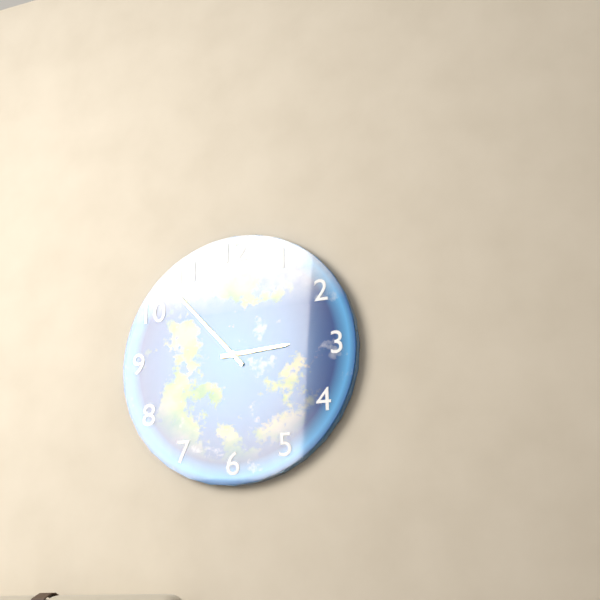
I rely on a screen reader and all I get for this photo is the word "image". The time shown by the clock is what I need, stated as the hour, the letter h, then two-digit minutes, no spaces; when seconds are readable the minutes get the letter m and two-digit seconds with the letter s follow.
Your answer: 2h53
